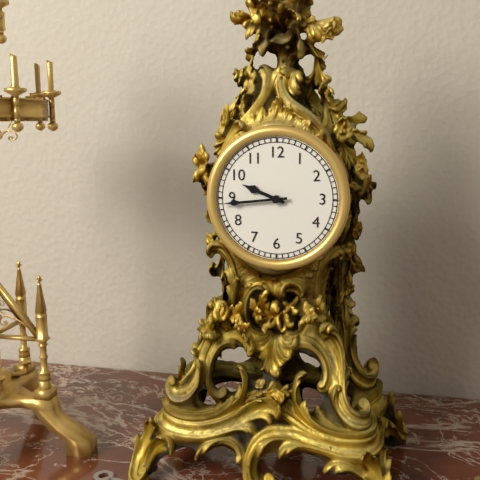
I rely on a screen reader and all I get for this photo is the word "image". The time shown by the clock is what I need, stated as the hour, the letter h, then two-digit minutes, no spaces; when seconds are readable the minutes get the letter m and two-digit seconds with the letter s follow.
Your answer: 9h44
